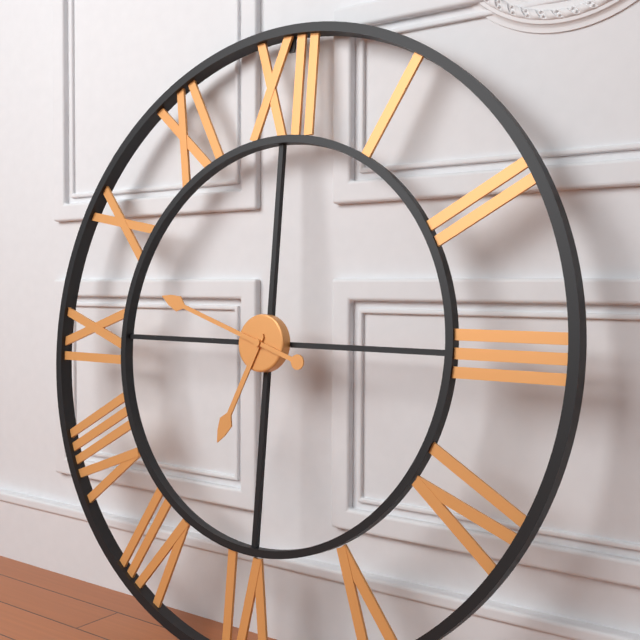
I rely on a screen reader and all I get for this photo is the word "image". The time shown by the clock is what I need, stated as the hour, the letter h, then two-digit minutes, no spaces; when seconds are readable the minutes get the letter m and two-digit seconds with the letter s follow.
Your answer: 6h48
